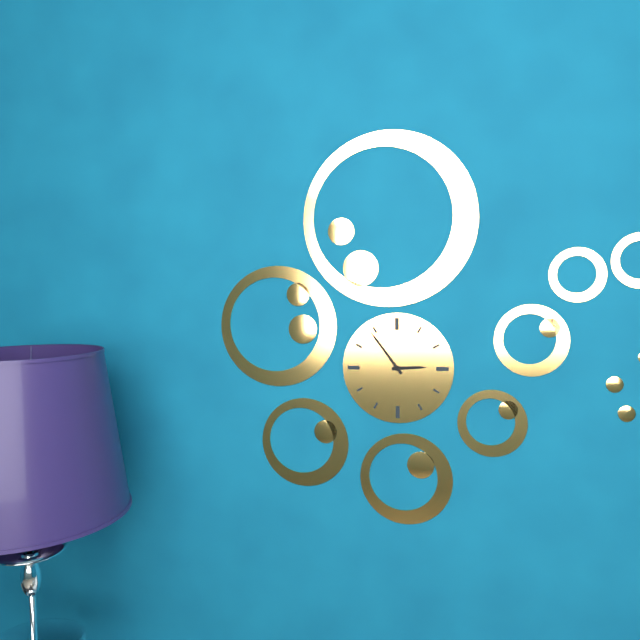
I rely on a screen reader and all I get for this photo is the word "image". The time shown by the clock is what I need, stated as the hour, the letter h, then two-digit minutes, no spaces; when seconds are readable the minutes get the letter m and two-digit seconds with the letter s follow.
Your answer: 2h54
